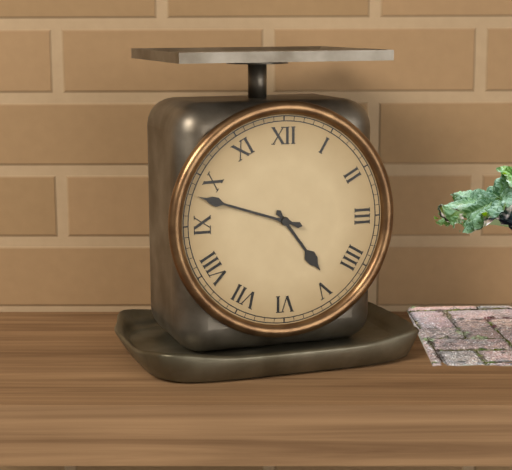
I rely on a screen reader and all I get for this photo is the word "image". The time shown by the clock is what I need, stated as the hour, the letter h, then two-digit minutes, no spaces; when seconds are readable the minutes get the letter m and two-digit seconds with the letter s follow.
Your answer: 4h48
